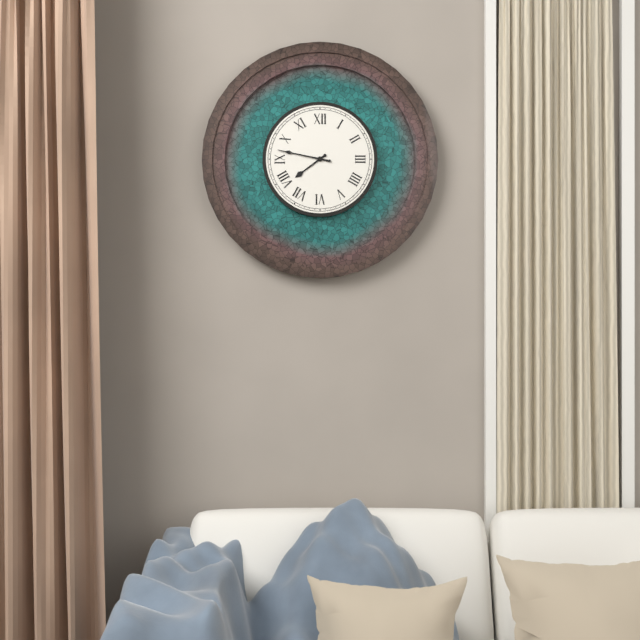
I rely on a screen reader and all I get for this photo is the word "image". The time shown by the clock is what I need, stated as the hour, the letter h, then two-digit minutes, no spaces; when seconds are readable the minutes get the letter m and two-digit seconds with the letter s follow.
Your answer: 7h47
